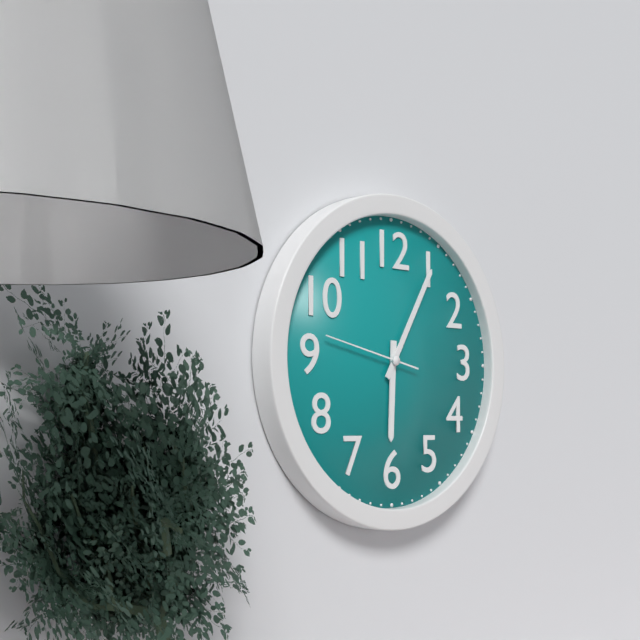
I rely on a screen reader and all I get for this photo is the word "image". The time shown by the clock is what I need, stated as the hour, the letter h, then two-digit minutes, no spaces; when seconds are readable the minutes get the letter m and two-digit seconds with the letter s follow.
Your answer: 6h05m47s
